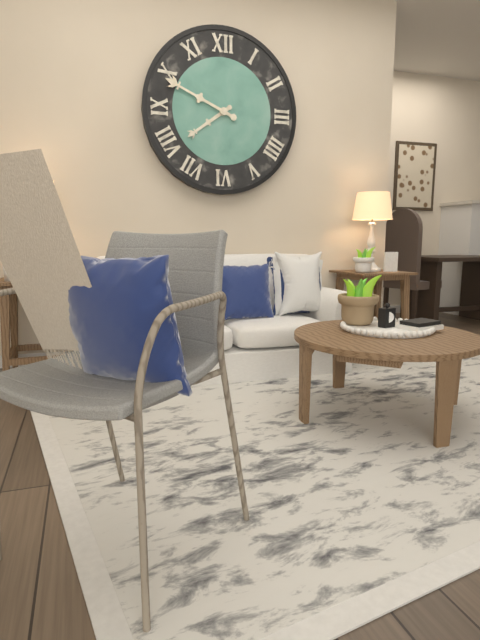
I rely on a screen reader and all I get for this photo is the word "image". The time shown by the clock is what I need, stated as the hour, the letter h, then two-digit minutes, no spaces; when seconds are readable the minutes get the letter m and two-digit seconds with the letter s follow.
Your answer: 7h49
